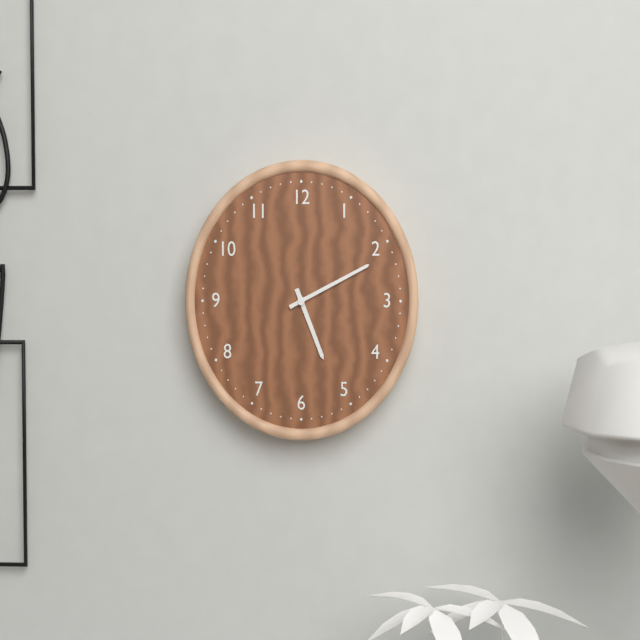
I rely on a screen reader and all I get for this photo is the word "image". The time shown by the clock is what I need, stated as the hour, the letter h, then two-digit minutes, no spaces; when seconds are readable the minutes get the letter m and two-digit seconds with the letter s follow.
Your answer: 5h11
